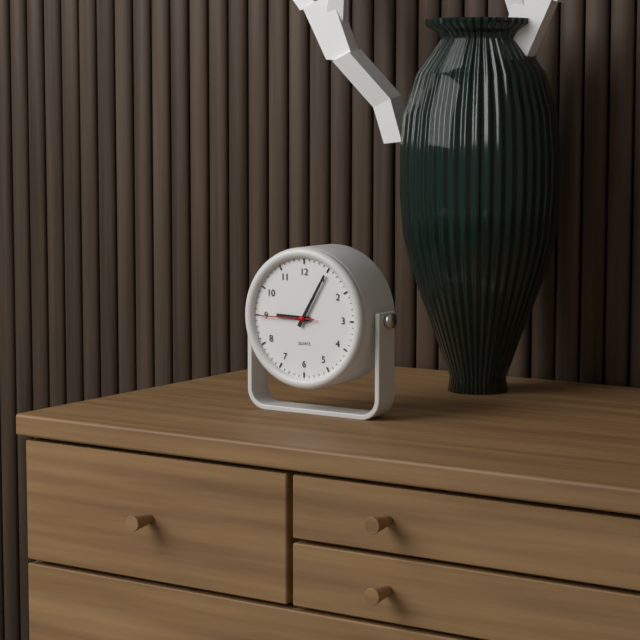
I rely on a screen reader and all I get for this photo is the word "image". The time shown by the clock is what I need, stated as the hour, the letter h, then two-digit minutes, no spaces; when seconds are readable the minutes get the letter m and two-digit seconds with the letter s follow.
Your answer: 9h05m45s
